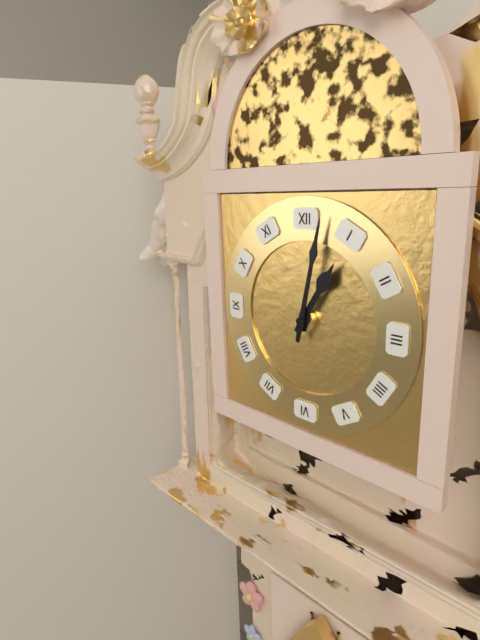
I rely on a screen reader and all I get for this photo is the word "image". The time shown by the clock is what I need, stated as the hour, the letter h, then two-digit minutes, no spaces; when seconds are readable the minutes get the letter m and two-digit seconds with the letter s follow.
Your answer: 1h02
